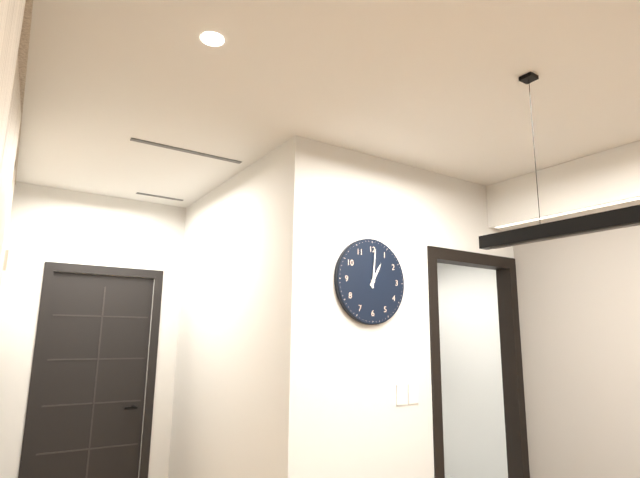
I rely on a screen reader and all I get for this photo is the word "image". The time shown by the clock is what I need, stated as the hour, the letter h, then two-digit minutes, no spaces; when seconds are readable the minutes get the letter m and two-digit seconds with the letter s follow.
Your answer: 1h01
